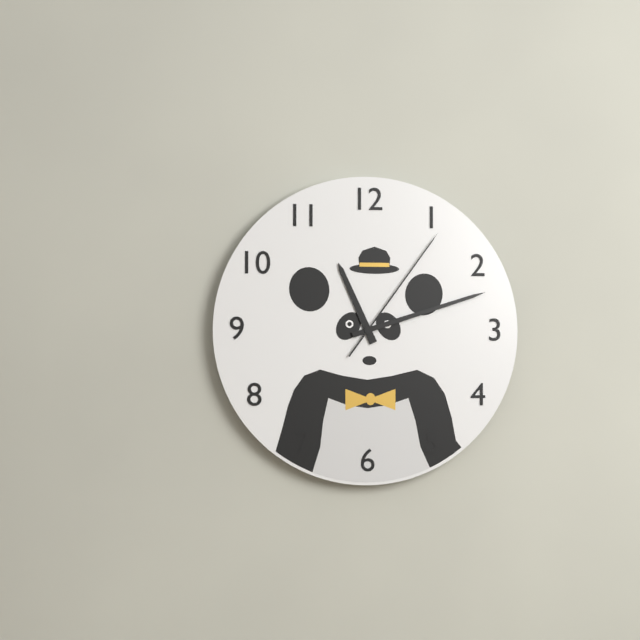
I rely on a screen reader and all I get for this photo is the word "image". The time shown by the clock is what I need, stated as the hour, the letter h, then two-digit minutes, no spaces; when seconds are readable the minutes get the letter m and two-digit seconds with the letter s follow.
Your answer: 11h12m06s
